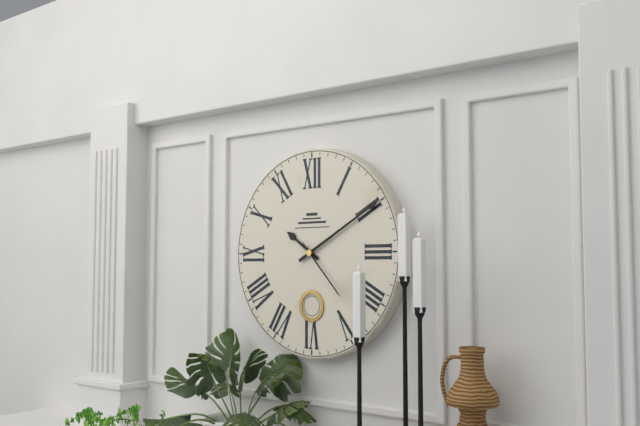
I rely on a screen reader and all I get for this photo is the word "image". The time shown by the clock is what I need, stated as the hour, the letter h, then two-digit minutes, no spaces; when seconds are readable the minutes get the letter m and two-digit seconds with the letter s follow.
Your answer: 10h10m23s
